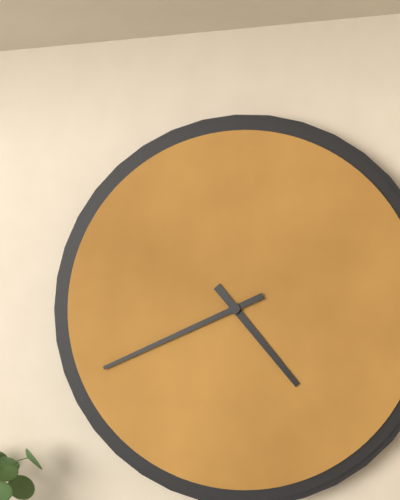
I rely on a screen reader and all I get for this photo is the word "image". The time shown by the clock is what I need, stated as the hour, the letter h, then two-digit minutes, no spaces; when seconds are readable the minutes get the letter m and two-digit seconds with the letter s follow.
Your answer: 4h41
